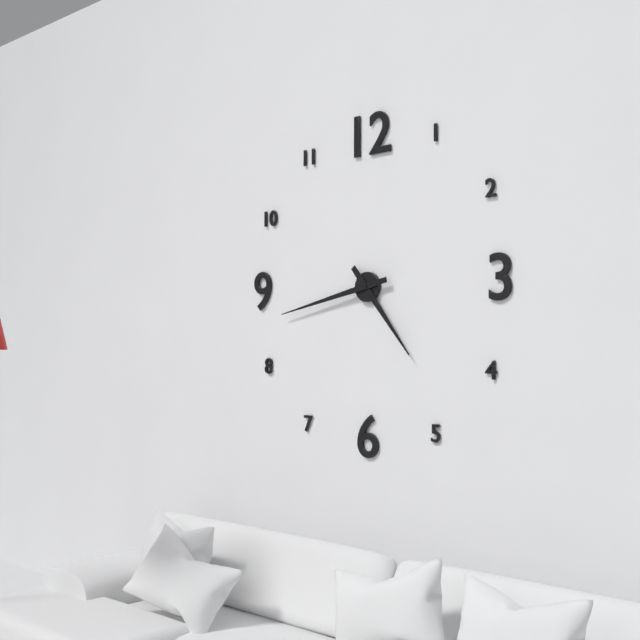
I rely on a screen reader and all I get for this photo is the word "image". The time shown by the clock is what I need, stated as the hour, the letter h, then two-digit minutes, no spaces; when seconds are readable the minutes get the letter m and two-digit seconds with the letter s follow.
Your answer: 4h43
